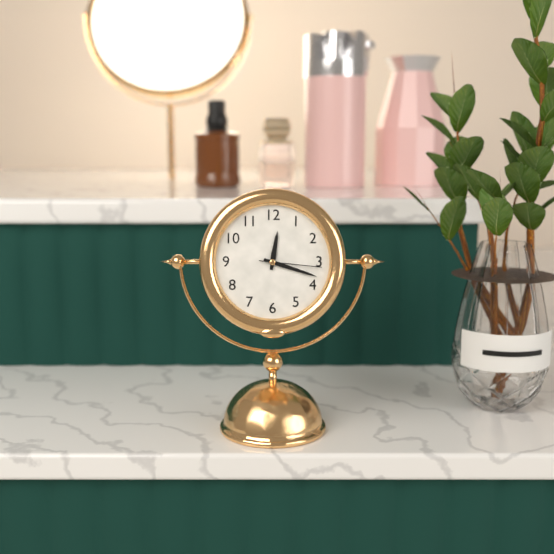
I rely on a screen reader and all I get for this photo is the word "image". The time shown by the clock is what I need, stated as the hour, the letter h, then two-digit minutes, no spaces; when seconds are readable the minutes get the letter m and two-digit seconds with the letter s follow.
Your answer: 12h18m16s
